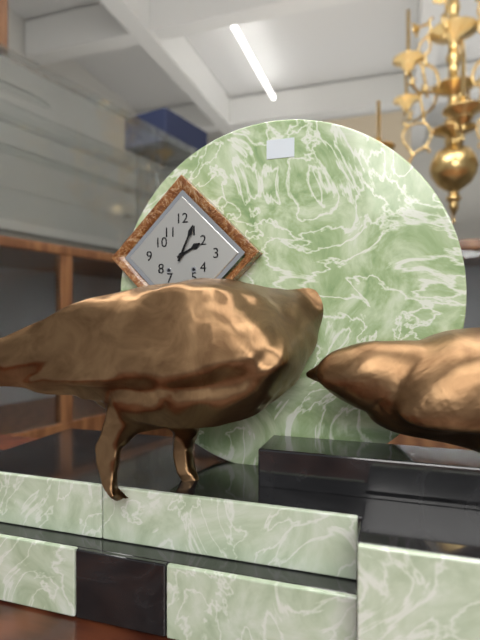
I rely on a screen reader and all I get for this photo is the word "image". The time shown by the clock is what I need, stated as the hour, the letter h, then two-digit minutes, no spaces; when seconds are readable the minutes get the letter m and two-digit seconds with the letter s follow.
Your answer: 2h04
